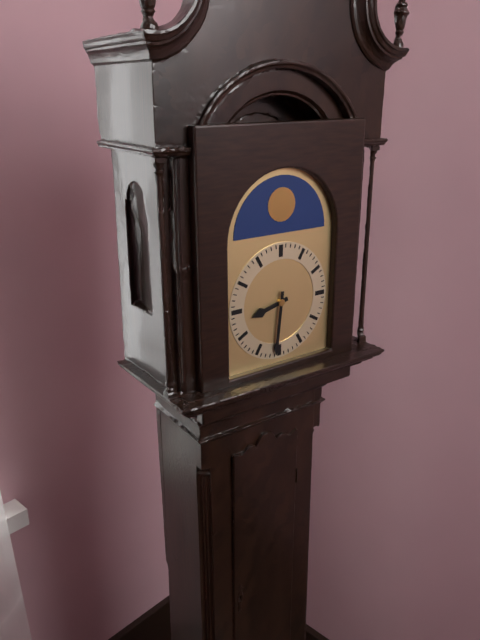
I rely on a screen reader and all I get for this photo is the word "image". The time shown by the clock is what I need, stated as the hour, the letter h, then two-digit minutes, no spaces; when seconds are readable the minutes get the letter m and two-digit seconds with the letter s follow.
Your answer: 8h31
